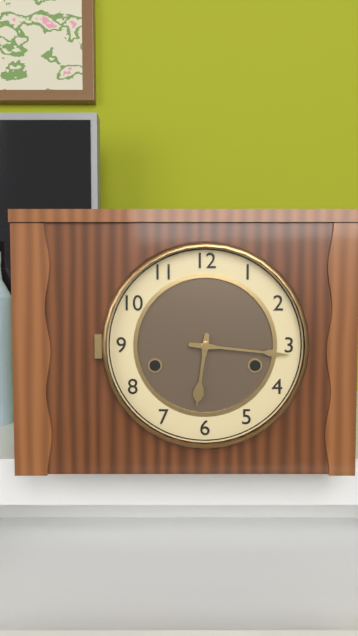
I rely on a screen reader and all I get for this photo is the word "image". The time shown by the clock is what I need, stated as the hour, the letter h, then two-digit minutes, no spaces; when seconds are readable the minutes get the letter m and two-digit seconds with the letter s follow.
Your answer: 6h16
